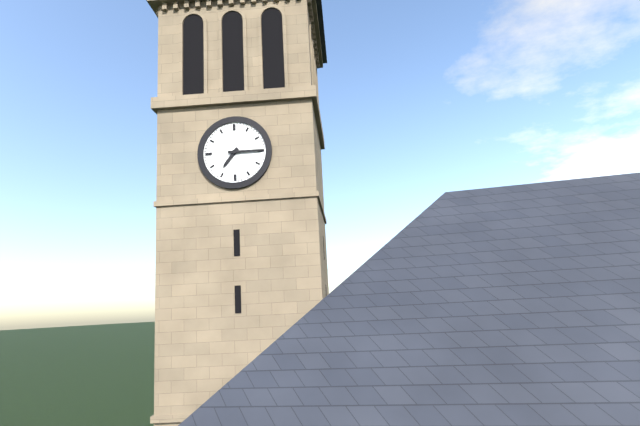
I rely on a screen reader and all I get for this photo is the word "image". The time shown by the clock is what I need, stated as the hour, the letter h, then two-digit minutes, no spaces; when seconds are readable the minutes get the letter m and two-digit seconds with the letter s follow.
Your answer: 7h15
